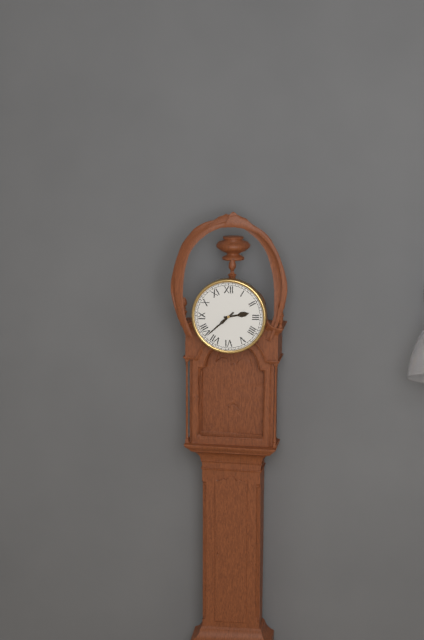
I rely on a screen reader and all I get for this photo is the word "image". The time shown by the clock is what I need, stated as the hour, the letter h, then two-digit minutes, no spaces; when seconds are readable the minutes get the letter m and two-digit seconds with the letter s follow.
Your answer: 2h38
